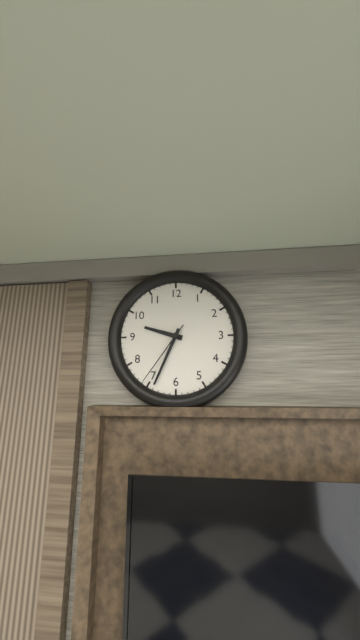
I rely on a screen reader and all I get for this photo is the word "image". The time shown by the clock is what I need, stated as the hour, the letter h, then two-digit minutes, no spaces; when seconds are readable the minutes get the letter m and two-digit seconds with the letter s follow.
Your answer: 9h34m36s
